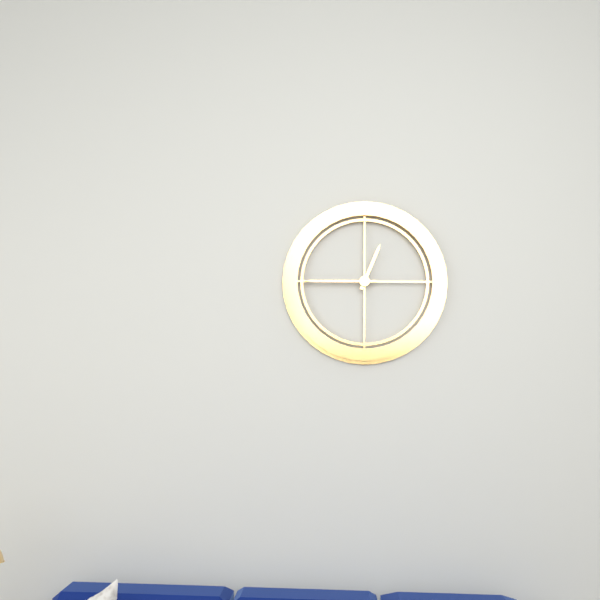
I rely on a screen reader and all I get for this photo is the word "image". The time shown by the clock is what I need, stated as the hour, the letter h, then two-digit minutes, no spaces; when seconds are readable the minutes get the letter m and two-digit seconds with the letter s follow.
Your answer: 12h45
